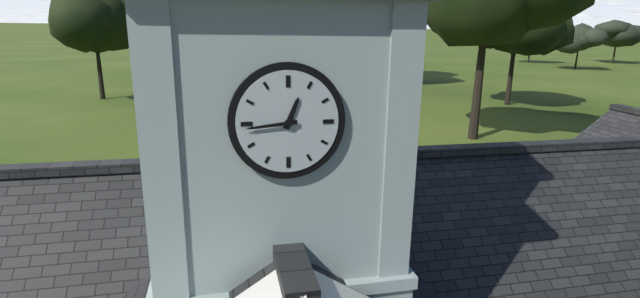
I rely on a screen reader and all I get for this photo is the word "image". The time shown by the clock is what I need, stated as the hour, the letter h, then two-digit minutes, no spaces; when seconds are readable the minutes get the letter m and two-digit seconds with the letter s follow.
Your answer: 12h44
